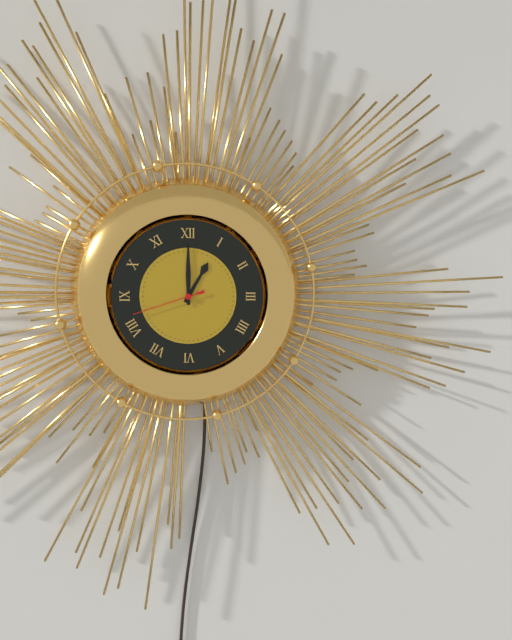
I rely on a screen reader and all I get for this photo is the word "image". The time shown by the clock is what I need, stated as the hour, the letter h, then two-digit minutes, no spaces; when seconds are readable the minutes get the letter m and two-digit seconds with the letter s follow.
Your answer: 1h00m42s
